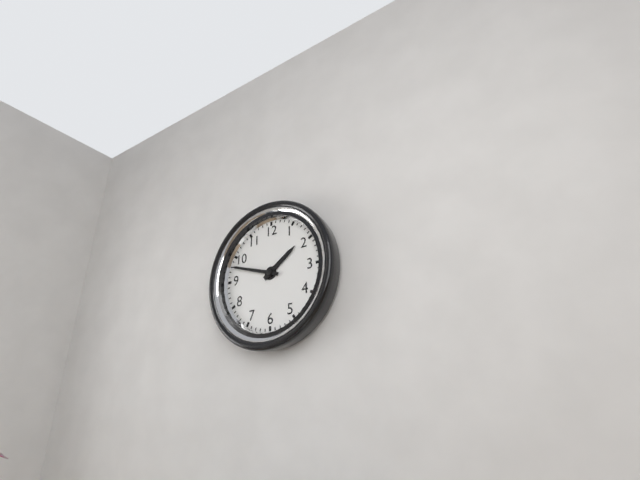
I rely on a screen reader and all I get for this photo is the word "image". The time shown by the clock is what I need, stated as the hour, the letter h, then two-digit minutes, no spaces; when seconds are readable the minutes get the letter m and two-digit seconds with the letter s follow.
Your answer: 1h48
